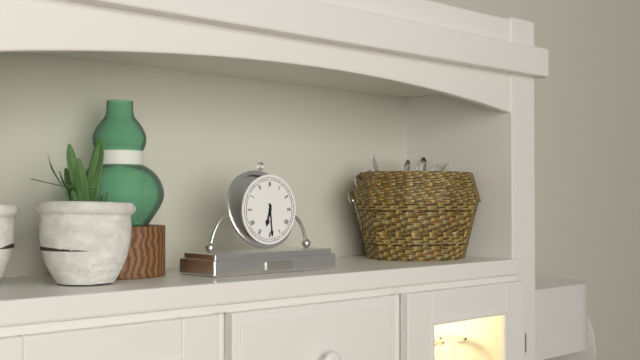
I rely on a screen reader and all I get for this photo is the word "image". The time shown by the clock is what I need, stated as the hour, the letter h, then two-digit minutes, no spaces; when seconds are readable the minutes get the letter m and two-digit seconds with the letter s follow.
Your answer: 6h29
